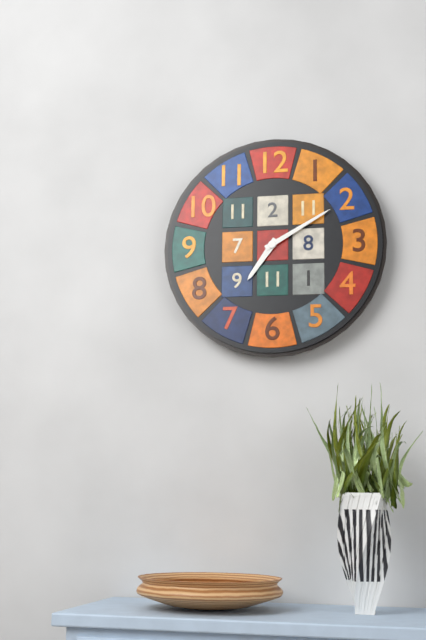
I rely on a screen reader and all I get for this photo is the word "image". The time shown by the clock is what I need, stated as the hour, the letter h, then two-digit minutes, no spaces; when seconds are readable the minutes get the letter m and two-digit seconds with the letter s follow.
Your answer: 7h10
